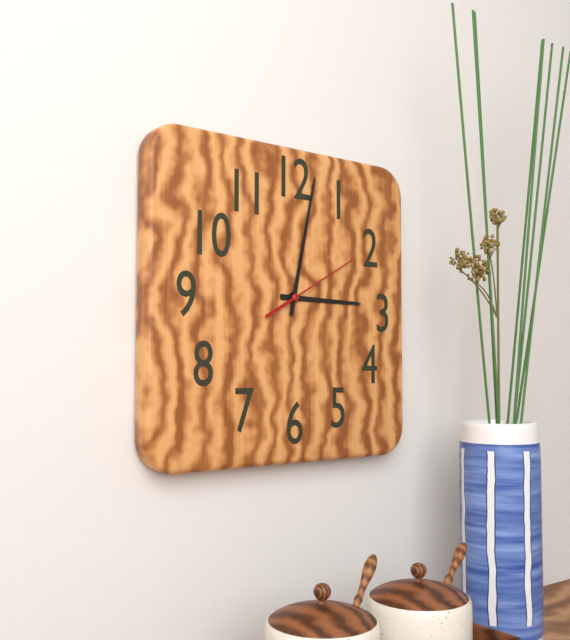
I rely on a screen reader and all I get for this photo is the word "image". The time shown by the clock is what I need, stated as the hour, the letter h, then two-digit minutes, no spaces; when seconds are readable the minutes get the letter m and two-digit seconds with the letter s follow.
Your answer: 3h02m10s
